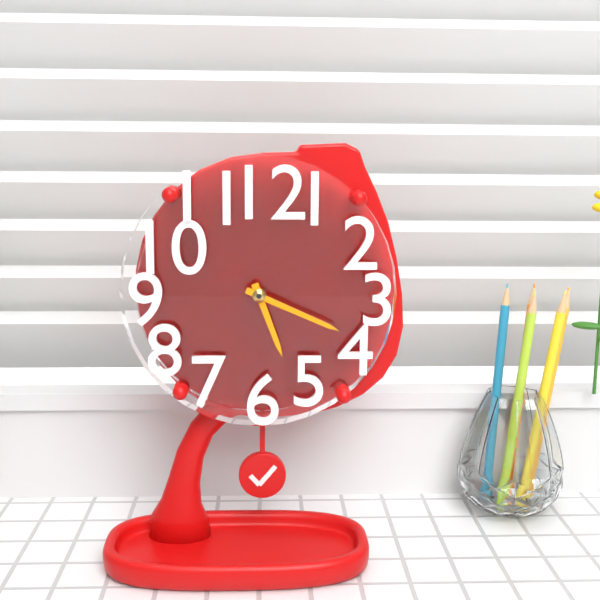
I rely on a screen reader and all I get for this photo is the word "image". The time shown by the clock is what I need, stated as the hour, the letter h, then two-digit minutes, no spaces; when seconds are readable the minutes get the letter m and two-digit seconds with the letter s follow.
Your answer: 5h19
